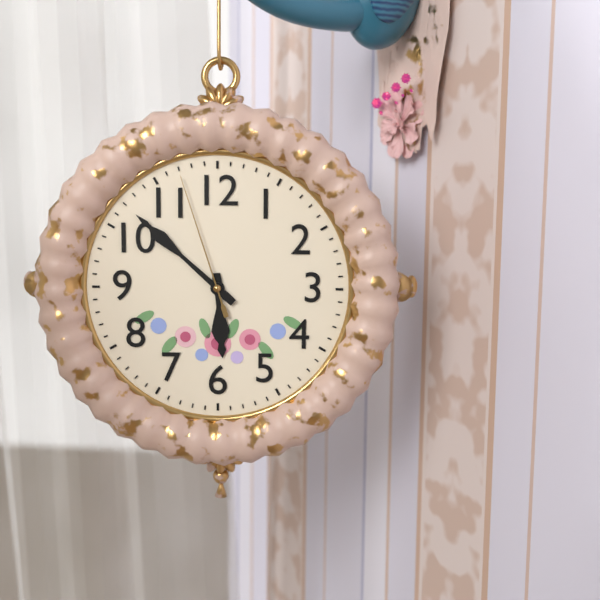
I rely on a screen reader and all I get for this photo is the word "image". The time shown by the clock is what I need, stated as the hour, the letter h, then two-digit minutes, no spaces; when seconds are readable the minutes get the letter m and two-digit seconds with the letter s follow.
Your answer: 5h52m57s
